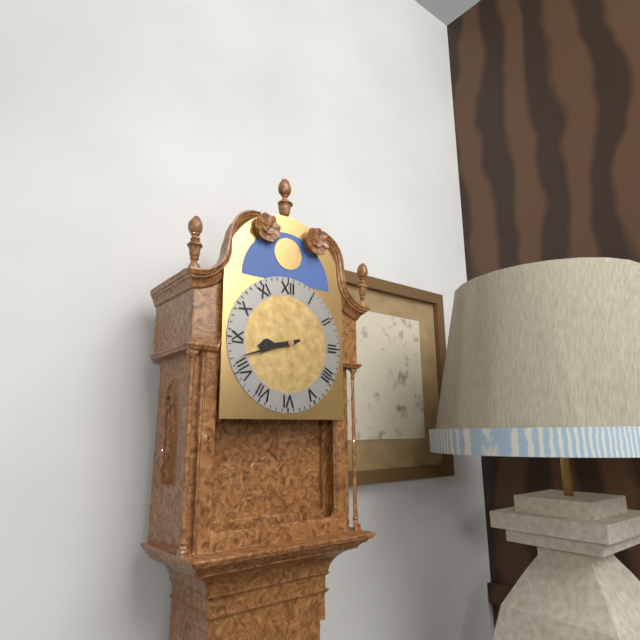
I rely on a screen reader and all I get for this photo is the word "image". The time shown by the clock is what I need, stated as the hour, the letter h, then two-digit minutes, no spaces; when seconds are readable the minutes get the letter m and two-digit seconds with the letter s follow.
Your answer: 8h42
